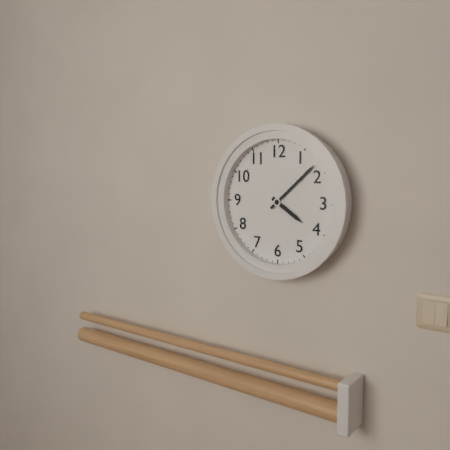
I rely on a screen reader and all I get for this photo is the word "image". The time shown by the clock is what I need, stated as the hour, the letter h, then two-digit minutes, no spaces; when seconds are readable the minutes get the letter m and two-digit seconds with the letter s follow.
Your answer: 4h08
